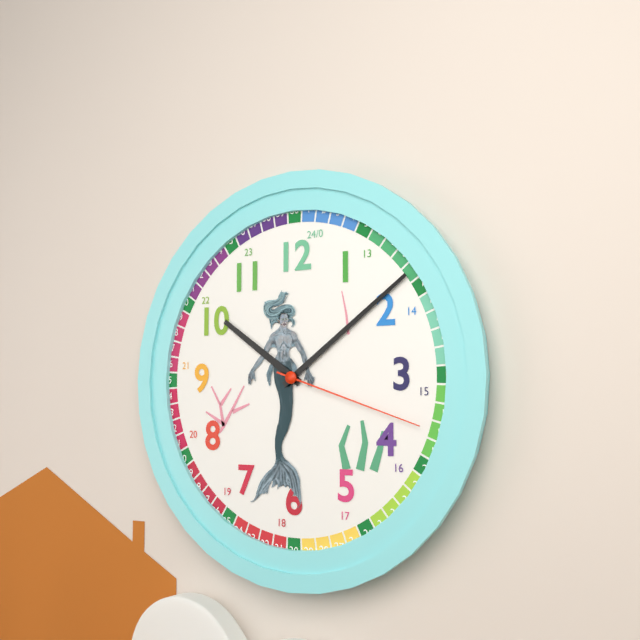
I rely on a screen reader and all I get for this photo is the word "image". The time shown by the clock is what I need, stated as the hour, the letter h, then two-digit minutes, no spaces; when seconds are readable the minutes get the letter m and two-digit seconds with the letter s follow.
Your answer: 10h09m18s
